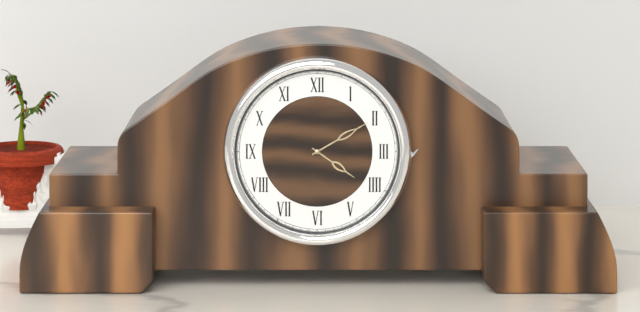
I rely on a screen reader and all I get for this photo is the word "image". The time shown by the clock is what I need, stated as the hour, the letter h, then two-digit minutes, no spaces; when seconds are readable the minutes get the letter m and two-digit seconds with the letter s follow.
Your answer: 4h10
